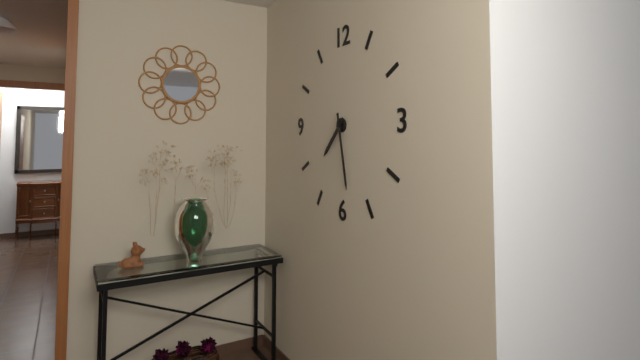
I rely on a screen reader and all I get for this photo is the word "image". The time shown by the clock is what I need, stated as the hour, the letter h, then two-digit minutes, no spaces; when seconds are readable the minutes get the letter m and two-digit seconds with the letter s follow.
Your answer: 7h28
